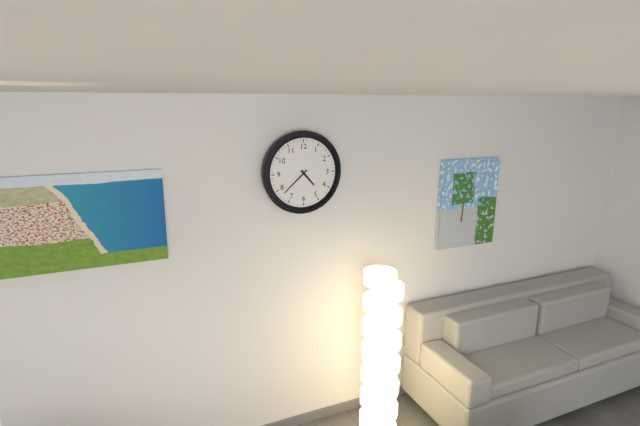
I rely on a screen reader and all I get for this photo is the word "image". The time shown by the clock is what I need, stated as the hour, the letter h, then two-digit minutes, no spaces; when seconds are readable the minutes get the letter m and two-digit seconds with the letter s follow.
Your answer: 4h38
